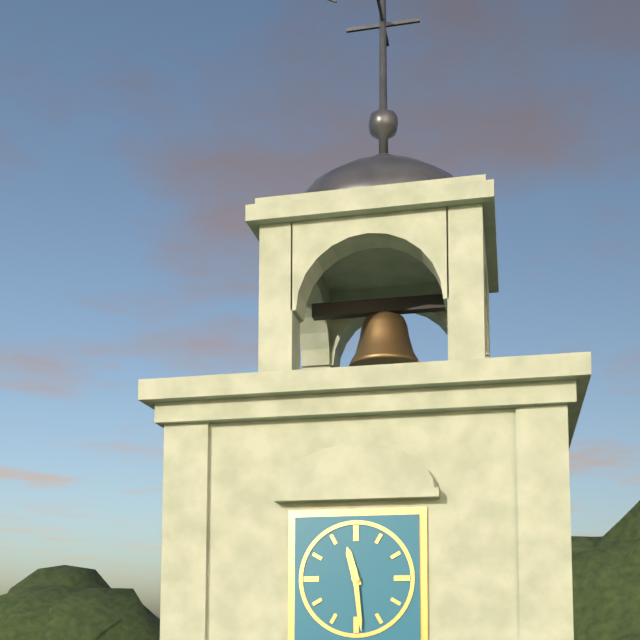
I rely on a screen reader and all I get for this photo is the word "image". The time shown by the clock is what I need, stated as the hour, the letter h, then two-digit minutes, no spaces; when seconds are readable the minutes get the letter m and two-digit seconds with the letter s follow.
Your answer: 11h29
